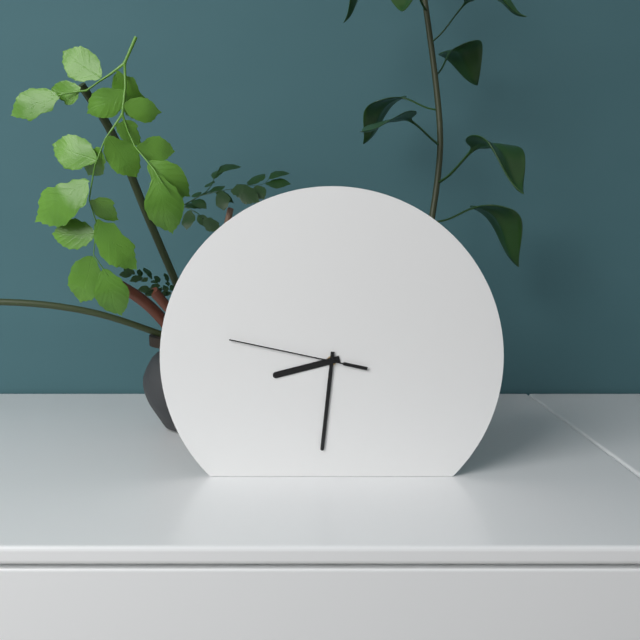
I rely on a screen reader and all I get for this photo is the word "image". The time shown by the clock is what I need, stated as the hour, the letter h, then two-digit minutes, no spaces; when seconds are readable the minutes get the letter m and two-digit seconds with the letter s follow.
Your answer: 8h31m47s
